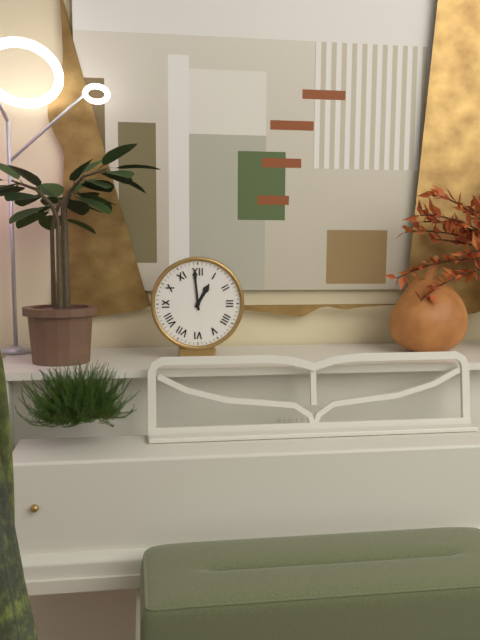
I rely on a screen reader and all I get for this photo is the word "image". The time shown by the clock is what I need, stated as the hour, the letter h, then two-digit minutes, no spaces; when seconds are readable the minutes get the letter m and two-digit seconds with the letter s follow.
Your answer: 12h59
